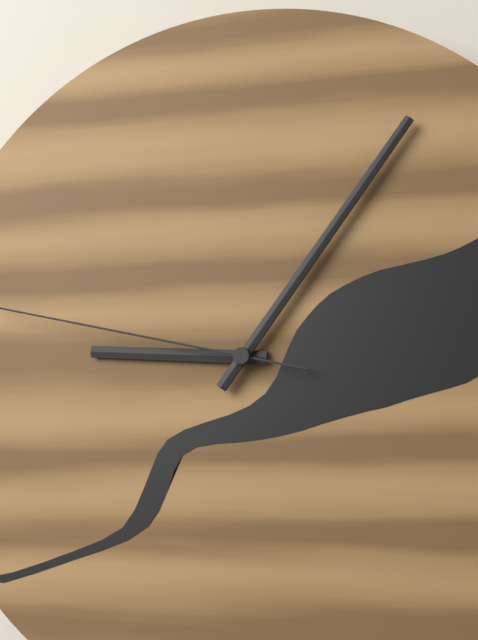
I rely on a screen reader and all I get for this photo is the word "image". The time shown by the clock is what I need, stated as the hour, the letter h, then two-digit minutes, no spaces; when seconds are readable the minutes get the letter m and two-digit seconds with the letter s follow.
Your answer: 9h06
